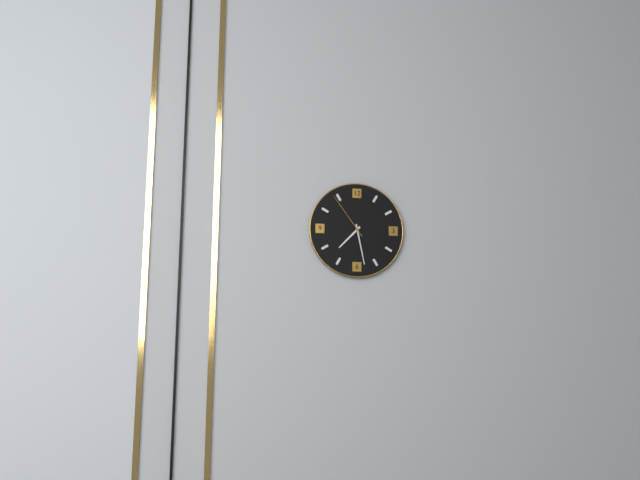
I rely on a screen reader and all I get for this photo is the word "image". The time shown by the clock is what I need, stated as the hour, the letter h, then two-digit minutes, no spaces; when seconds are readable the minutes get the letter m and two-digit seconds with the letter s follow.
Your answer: 7h28m54s
